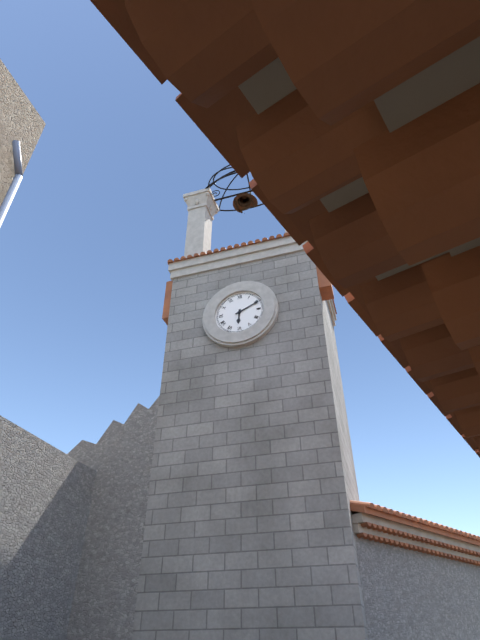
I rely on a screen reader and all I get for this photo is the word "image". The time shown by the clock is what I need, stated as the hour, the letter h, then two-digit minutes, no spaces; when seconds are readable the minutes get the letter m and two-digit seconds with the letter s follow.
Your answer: 6h11
